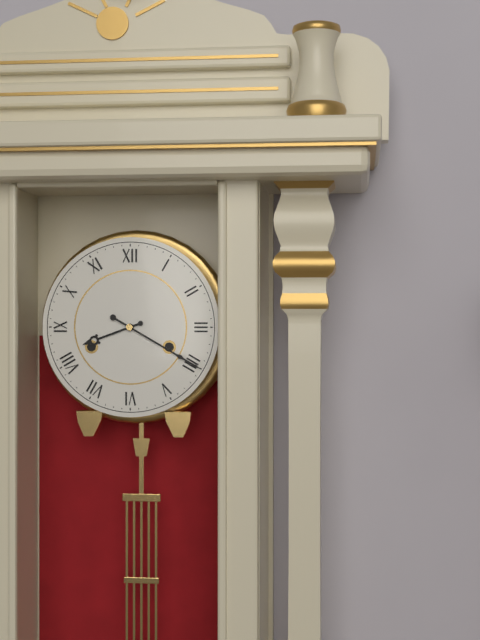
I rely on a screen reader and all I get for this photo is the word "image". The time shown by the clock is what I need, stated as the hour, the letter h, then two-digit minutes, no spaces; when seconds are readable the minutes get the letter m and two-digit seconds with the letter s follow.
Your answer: 8h20
